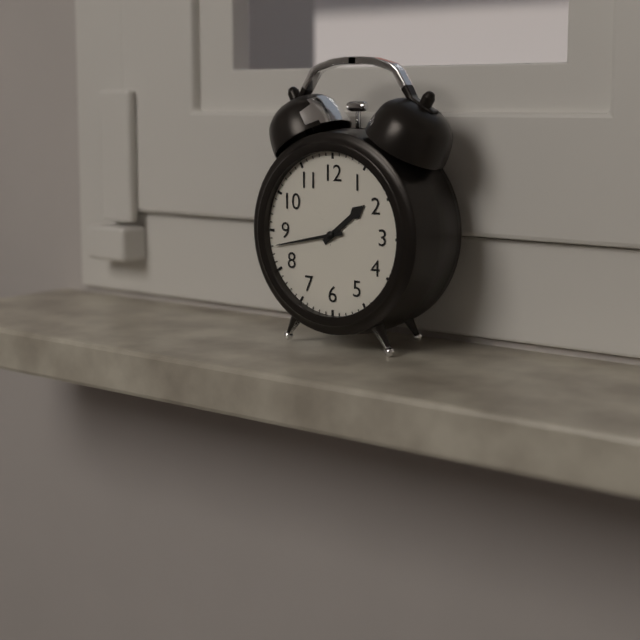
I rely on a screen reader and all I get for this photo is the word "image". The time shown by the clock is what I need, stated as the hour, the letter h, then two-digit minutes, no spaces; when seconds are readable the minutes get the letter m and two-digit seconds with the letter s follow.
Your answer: 1h43
